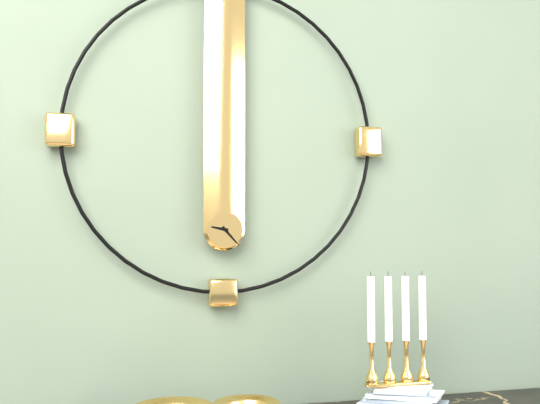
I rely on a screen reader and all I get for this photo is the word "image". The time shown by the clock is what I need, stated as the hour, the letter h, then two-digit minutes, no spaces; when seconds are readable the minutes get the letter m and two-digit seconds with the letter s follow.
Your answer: 9h23
